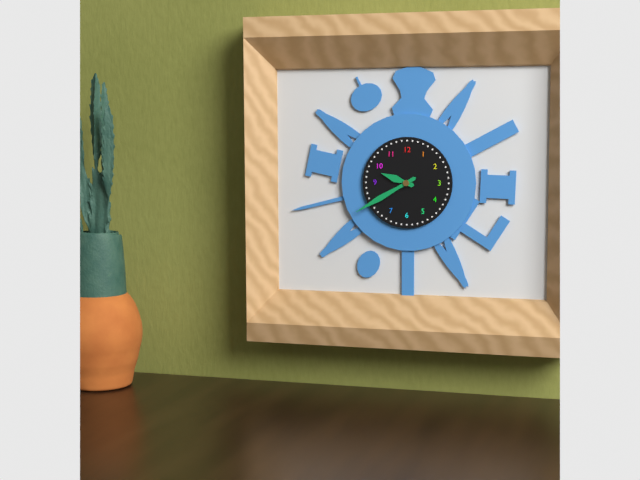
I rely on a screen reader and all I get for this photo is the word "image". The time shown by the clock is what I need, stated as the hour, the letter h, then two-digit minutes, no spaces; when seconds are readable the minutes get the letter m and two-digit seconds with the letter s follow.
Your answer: 9h40
